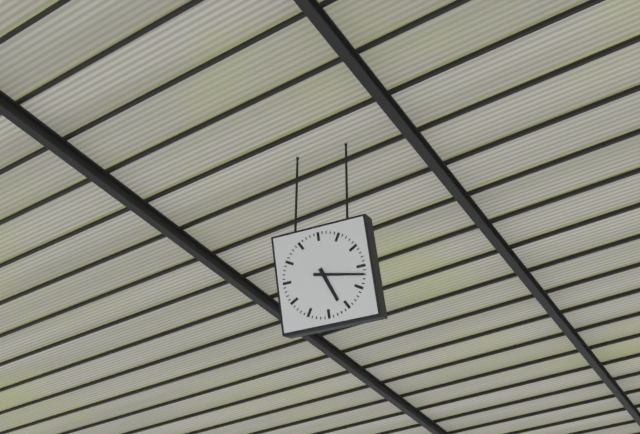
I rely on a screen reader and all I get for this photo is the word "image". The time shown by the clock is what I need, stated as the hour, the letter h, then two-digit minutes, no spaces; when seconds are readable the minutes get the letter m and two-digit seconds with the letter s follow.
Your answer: 5h17
